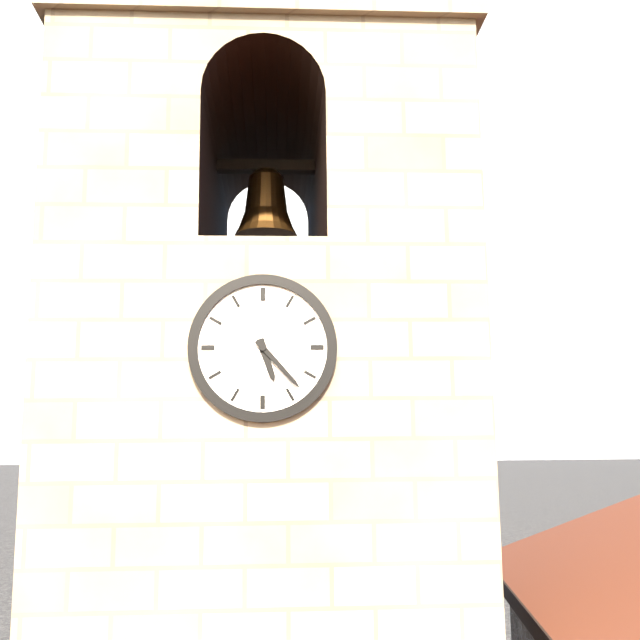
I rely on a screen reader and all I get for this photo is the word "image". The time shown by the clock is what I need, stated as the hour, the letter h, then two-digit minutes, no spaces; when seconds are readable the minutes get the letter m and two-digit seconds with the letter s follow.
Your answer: 5h23
